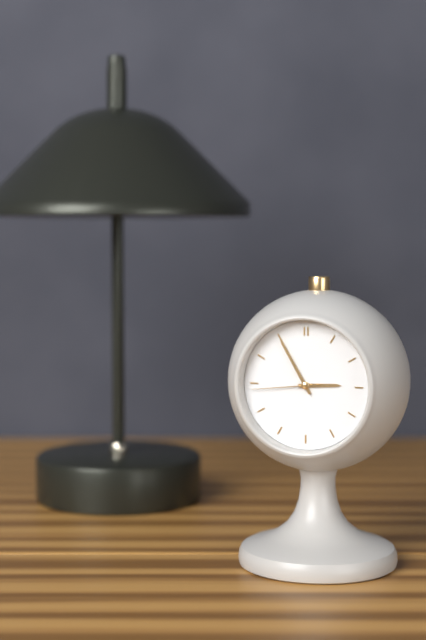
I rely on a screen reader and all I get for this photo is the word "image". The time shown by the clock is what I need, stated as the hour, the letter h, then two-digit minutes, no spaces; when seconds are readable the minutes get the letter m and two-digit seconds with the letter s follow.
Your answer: 2h55m44s
